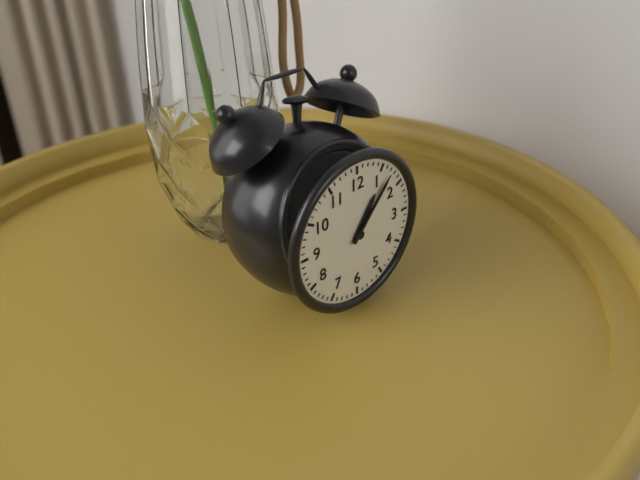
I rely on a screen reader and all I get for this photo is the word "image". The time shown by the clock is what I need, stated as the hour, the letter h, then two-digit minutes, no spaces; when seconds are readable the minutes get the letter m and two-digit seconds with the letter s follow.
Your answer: 1h07
